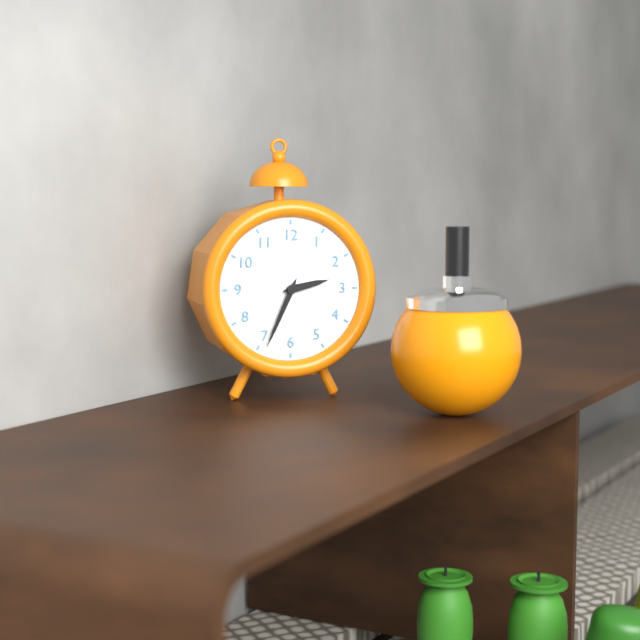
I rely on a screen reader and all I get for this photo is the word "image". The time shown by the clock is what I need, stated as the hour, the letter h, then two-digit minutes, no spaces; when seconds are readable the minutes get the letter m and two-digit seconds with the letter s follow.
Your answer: 2h34
